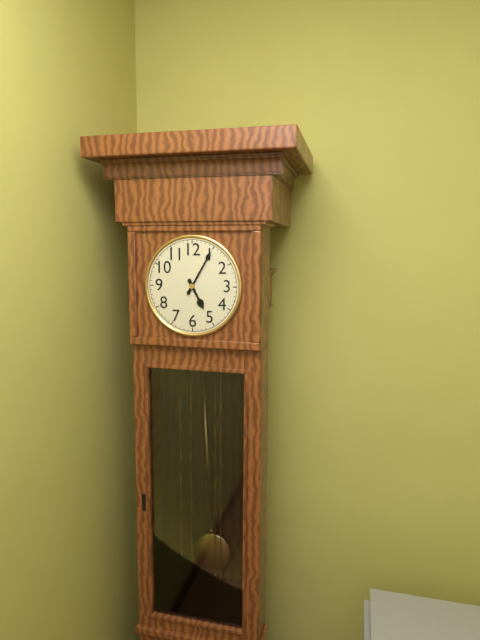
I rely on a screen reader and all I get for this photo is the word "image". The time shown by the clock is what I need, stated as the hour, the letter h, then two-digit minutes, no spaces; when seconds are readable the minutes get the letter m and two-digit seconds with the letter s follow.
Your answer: 5h05
